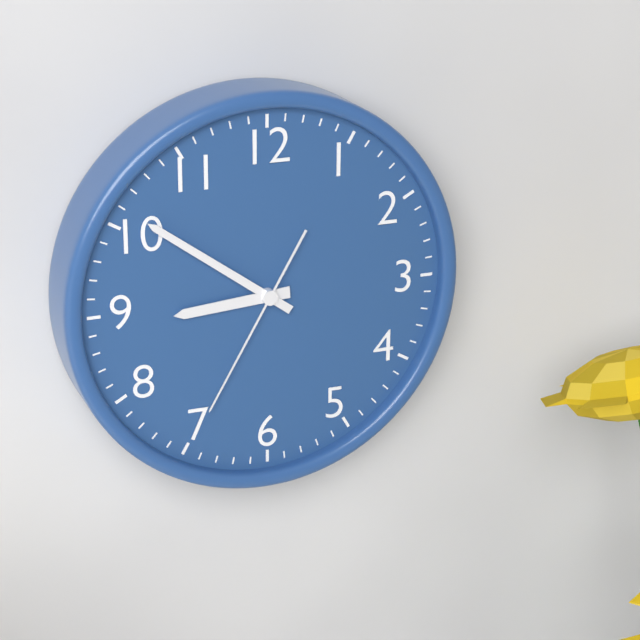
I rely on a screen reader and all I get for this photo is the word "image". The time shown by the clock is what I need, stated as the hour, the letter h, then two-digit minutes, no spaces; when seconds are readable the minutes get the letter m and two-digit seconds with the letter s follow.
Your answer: 8h51m35s
